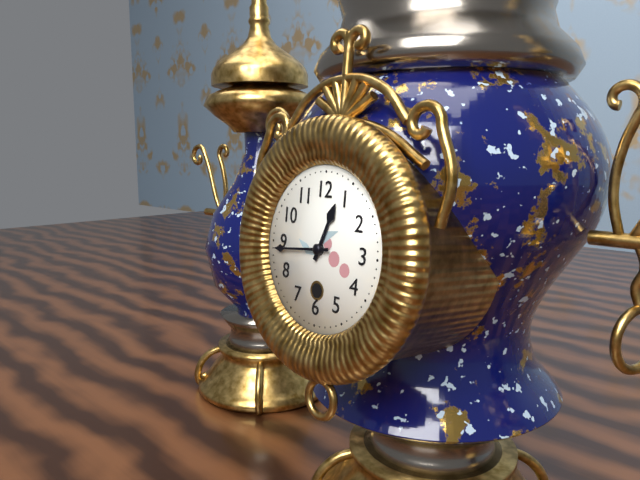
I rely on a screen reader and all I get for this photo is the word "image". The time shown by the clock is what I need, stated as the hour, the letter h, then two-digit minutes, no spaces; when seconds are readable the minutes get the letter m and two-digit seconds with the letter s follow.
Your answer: 12h44
